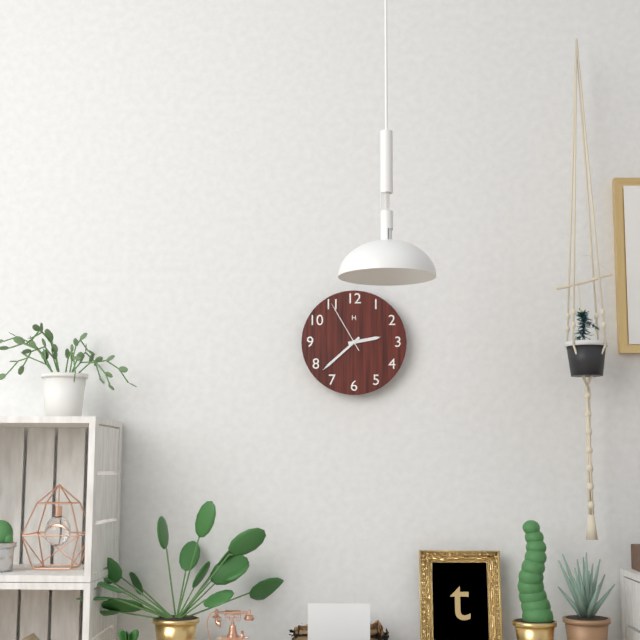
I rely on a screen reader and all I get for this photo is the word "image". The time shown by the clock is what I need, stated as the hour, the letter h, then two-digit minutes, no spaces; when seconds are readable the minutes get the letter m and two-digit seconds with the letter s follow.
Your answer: 2h38m55s
